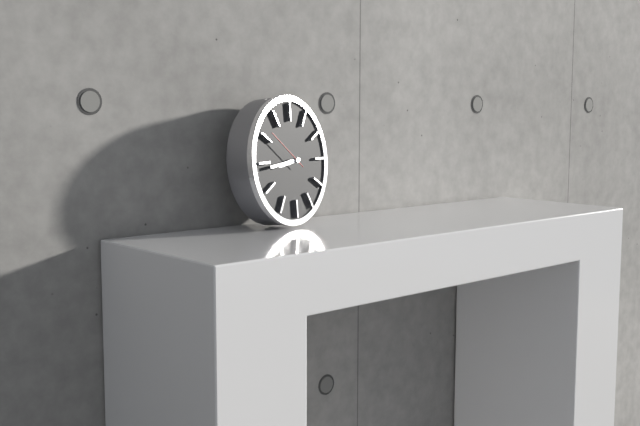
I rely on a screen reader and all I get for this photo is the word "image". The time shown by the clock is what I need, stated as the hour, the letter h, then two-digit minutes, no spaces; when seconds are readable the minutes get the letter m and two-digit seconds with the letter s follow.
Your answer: 8h44
